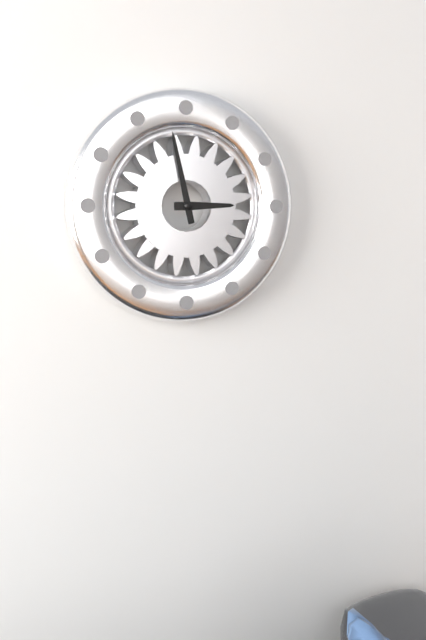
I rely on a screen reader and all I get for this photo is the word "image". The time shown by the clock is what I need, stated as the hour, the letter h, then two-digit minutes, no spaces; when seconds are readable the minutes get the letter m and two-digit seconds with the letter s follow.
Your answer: 2h58
